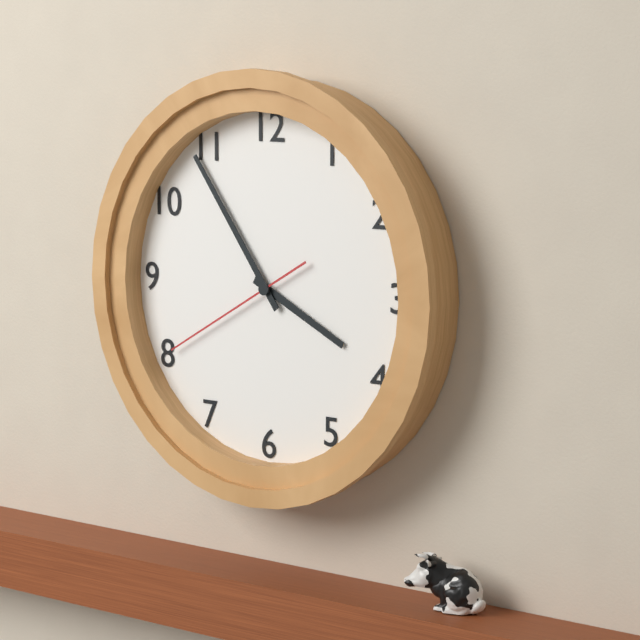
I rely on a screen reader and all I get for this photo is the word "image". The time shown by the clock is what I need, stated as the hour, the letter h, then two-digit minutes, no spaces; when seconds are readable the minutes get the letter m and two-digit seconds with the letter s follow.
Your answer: 3h54m40s
